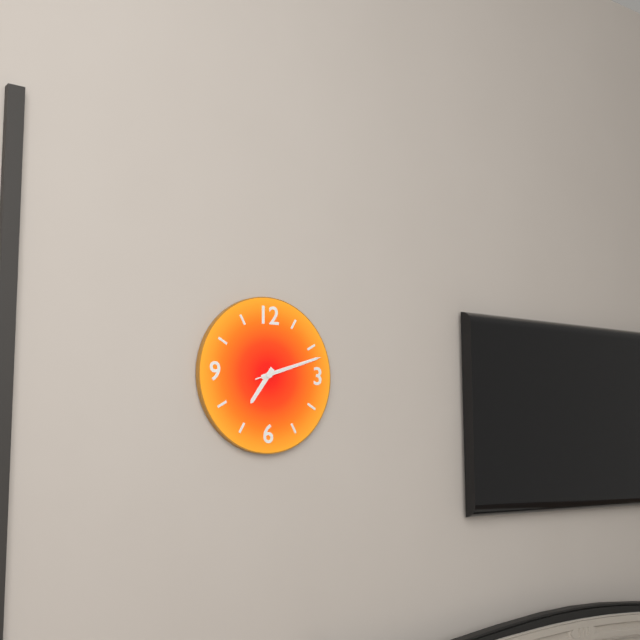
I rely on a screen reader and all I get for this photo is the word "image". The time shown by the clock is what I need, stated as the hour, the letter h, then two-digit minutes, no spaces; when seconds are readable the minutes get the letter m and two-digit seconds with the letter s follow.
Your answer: 7h12m12s
